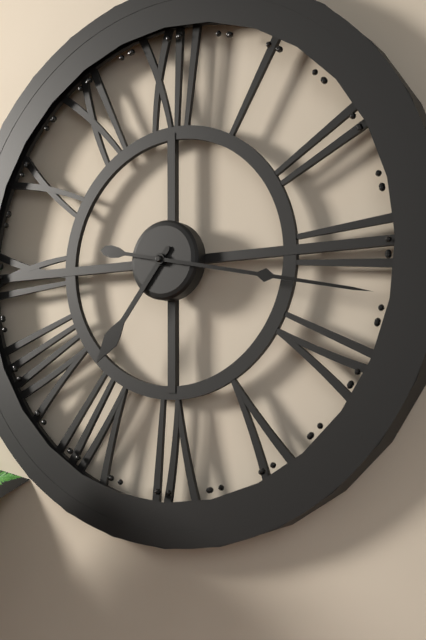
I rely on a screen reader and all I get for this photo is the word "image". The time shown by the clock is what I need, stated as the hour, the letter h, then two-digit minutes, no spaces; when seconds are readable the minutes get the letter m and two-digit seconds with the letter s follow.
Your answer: 7h17
